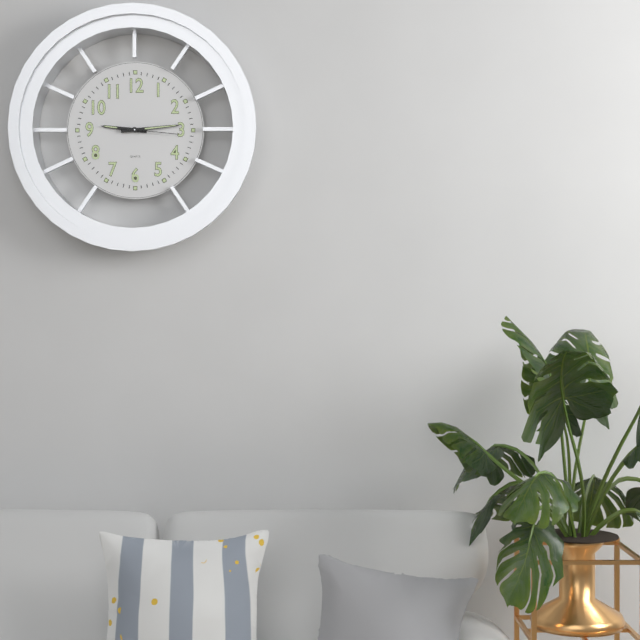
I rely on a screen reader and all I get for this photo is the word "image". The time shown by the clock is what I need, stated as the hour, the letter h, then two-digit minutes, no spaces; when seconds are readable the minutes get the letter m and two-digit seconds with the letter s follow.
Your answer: 9h14m16s
